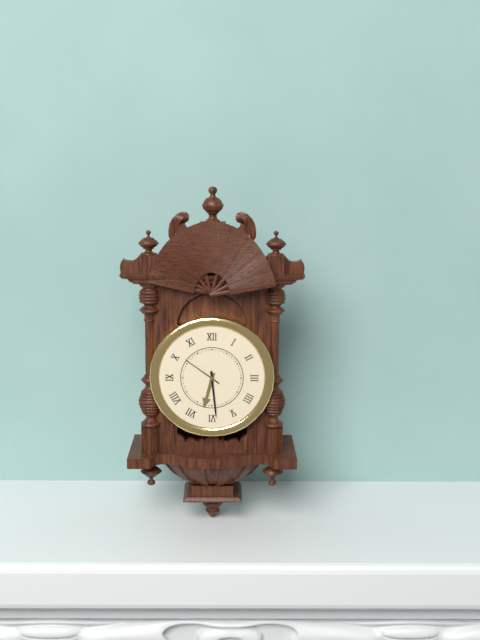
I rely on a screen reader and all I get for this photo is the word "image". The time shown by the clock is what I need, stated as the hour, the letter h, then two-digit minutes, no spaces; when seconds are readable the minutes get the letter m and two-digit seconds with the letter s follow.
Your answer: 6h29
